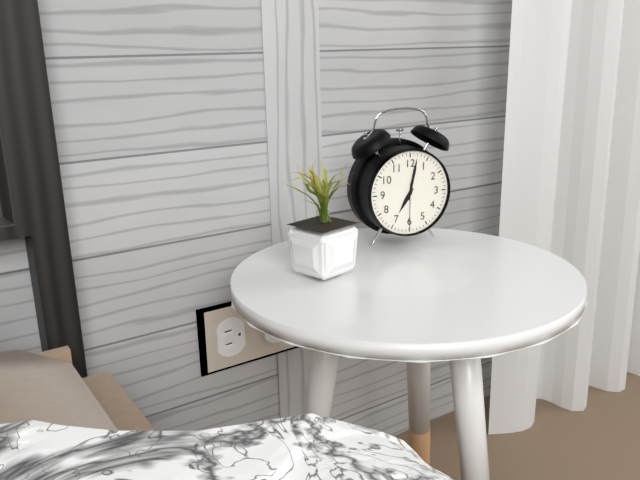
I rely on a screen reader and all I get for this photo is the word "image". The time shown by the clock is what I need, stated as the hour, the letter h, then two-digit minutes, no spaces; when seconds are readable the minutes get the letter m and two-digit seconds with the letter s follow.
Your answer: 7h02
